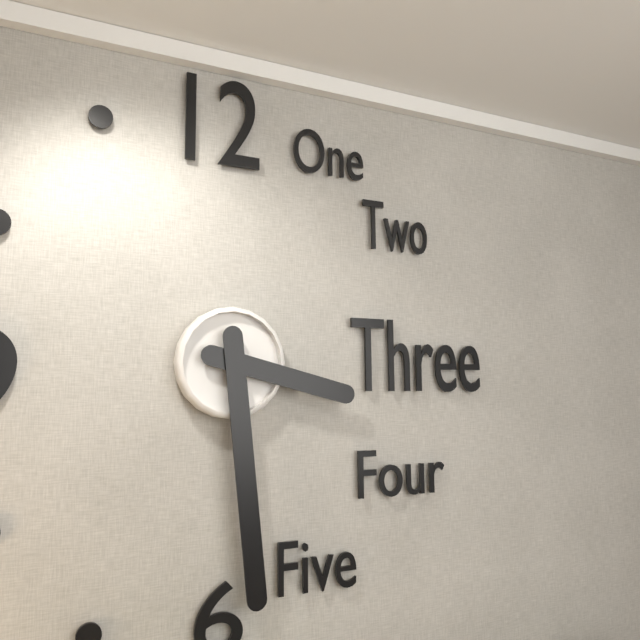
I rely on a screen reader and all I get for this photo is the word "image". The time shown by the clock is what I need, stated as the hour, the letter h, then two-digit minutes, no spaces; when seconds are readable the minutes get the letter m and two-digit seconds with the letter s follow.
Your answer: 3h29
